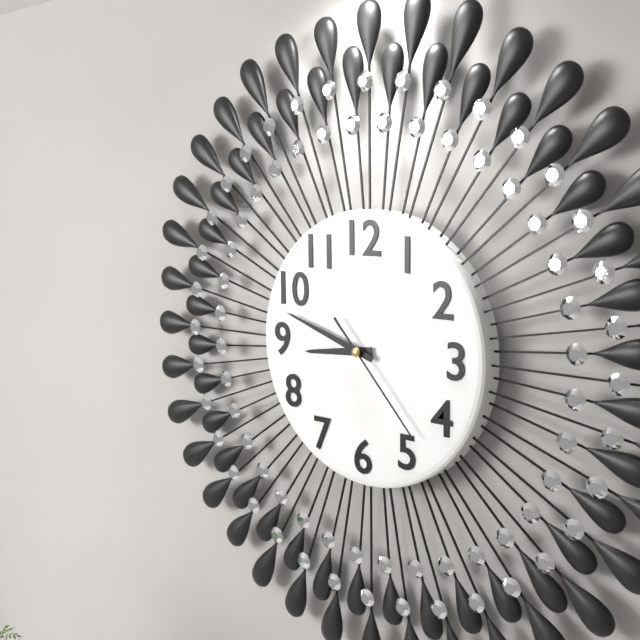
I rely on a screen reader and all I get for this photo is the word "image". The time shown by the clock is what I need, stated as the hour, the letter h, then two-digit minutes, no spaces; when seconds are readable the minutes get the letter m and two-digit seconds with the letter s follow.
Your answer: 8h48m23s
